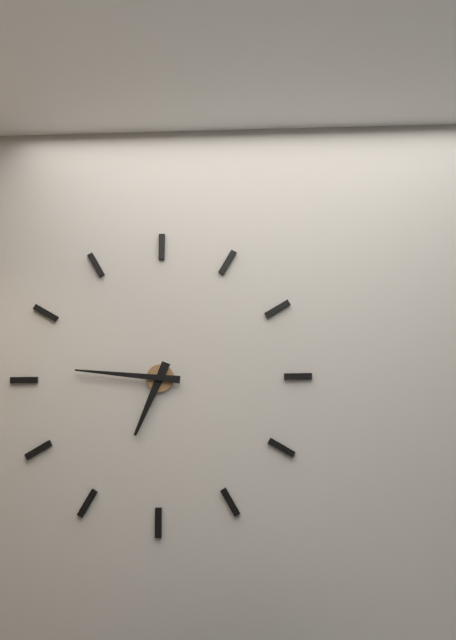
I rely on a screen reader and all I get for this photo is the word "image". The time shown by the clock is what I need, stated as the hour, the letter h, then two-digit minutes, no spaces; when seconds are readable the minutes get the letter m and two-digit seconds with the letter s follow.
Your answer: 6h46
